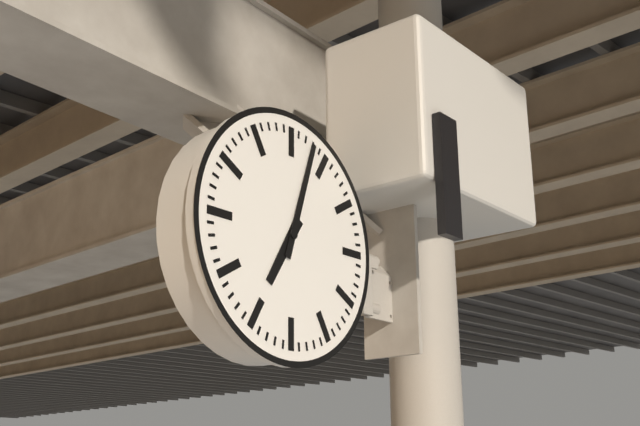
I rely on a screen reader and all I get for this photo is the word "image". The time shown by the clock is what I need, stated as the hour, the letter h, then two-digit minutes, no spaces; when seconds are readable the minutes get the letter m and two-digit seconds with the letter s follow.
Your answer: 7h03
